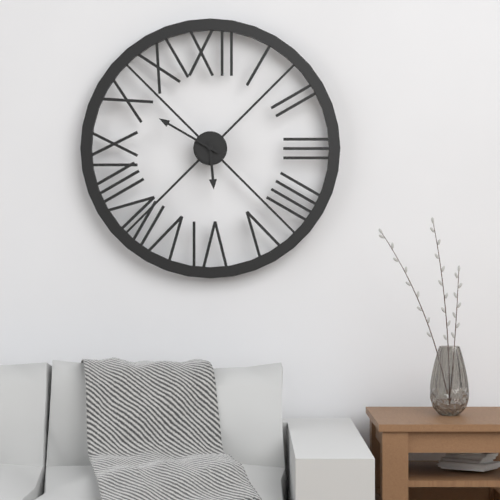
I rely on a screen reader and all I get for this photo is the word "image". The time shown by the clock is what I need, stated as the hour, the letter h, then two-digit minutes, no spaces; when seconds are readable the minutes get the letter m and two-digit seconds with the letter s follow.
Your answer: 5h50
